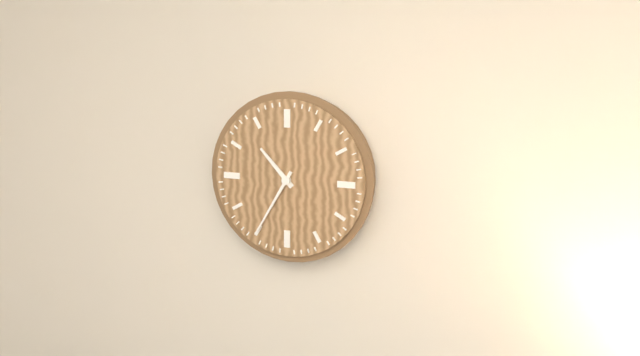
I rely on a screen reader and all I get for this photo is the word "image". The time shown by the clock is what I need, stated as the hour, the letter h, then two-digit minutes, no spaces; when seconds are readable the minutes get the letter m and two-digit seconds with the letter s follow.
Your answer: 10h35
